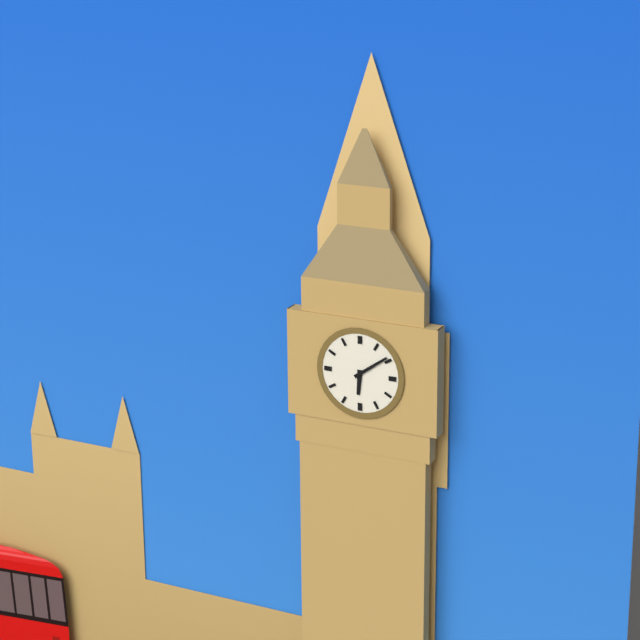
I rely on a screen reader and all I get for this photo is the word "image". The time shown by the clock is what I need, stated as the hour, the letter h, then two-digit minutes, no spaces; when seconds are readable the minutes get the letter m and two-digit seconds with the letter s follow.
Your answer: 6h09
